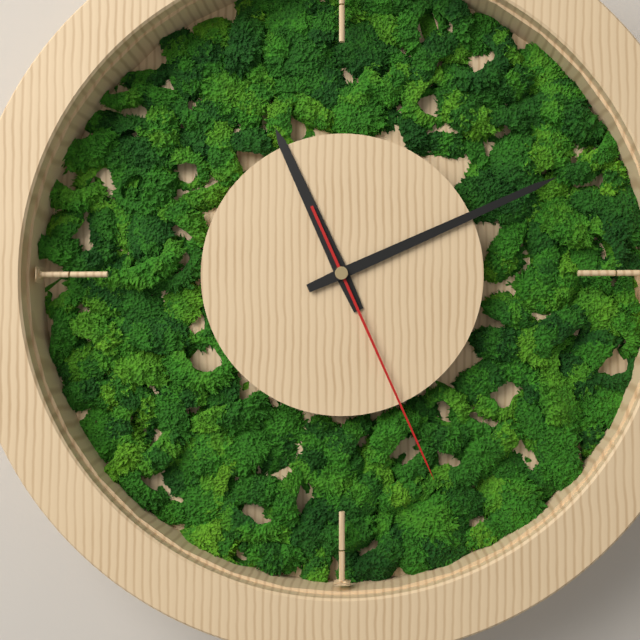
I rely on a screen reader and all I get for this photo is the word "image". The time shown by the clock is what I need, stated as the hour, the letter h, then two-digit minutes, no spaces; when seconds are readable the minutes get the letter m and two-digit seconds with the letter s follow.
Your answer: 11h11m26s
